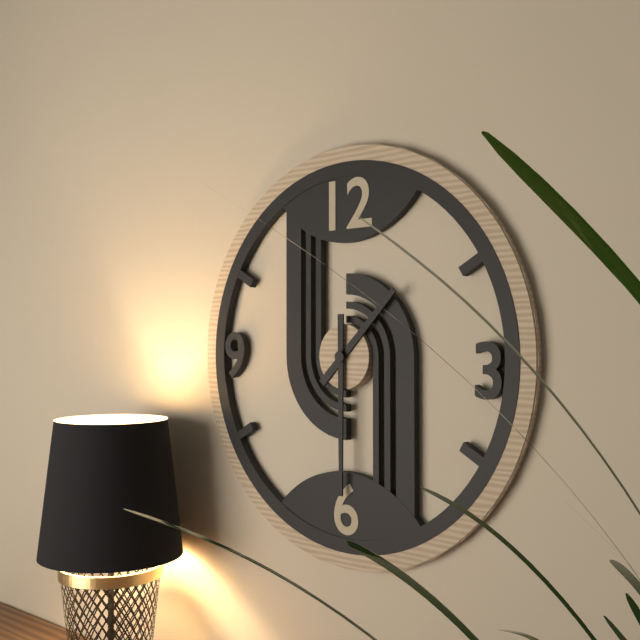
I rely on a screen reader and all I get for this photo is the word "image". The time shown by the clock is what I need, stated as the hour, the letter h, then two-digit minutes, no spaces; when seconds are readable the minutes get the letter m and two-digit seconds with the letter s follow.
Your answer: 1h30
